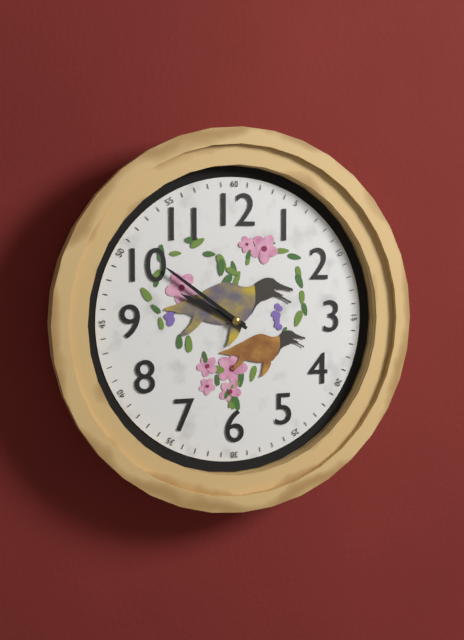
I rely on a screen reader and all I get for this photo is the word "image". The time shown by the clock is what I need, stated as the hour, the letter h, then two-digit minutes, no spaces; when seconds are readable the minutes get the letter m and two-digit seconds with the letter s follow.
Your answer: 9h51
